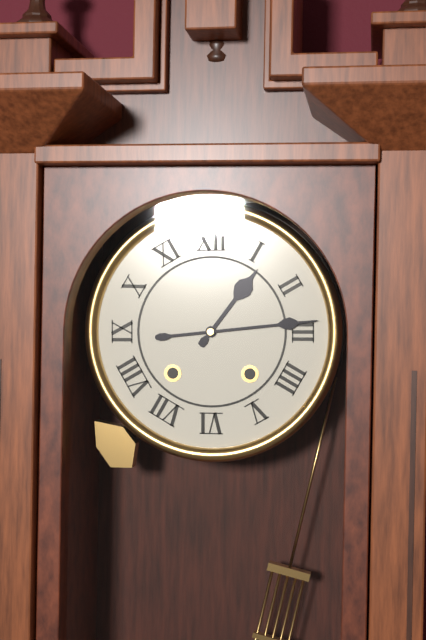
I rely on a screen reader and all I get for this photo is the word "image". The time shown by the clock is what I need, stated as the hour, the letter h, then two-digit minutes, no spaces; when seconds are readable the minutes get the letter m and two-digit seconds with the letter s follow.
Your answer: 1h14
